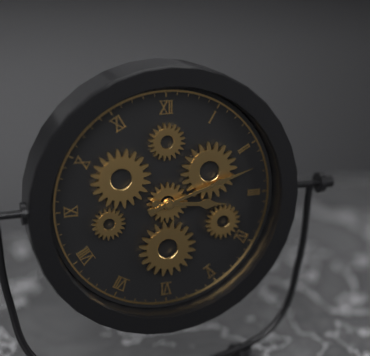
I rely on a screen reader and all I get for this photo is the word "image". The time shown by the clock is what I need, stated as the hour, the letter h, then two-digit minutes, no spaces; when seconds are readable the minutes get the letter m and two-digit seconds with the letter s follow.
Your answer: 3h12
